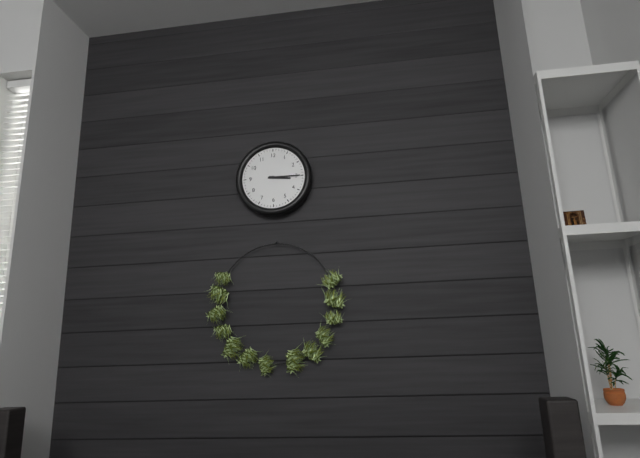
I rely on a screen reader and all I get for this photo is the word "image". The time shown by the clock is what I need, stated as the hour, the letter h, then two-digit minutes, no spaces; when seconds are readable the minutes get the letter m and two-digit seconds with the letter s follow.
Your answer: 3h15
